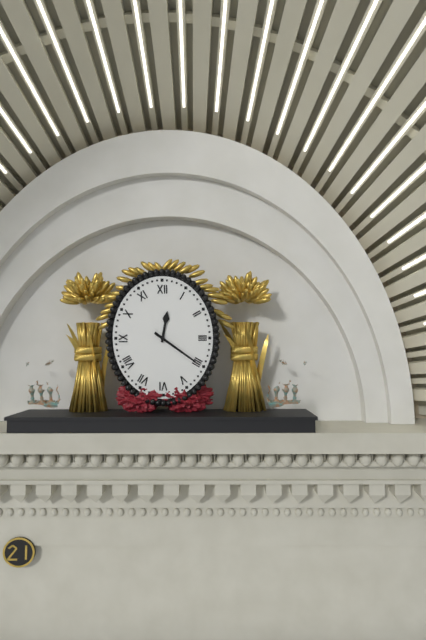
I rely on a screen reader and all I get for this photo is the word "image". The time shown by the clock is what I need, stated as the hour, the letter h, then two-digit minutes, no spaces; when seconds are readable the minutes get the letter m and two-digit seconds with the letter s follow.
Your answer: 12h21
